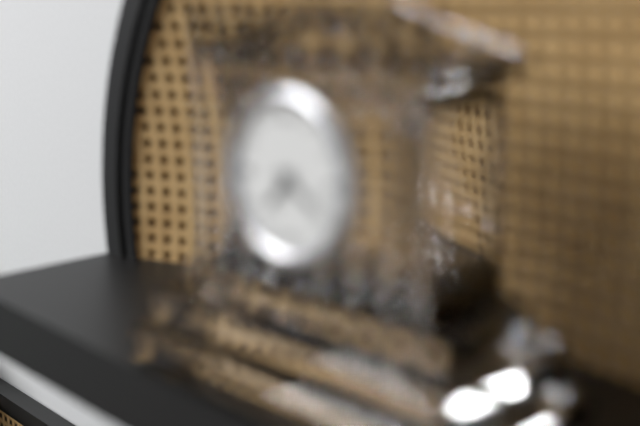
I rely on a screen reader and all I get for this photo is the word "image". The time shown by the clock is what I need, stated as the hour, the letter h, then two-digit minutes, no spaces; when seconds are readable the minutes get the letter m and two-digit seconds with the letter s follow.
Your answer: 7h20
